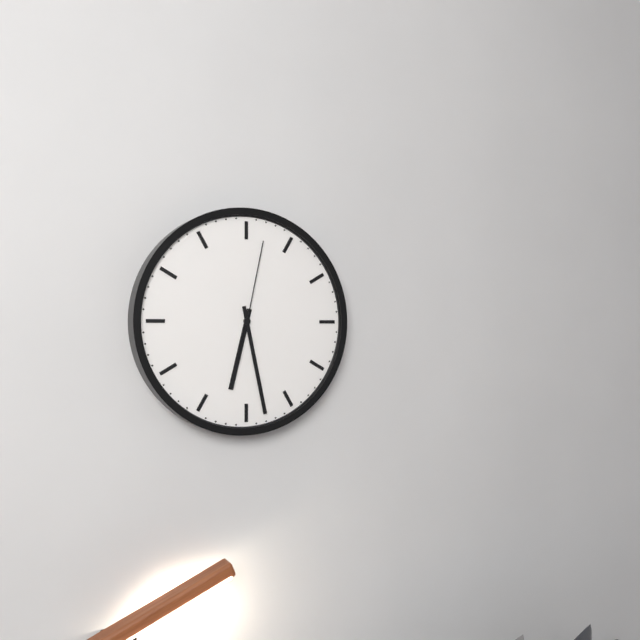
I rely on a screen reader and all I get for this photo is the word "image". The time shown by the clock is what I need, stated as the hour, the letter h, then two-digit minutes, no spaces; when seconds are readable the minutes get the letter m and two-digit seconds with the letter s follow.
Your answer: 6h28m02s
